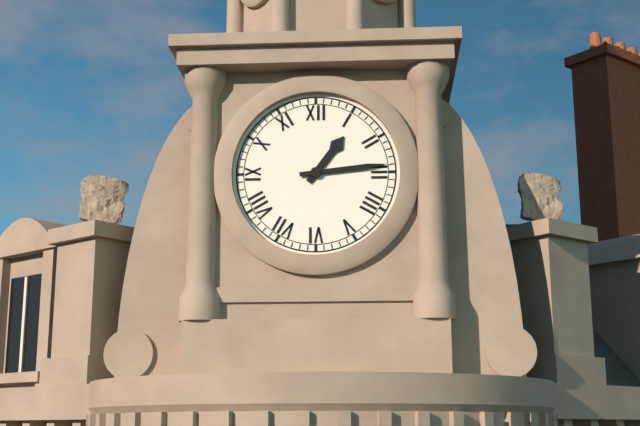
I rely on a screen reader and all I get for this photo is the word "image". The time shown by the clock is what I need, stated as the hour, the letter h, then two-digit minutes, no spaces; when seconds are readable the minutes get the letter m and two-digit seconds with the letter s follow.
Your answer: 1h14
